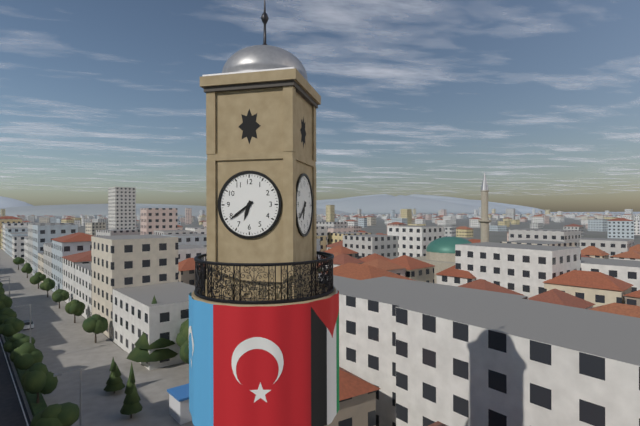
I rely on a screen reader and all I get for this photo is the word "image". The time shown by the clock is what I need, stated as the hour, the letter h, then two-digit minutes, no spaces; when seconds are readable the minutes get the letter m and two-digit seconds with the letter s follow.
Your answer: 6h39
